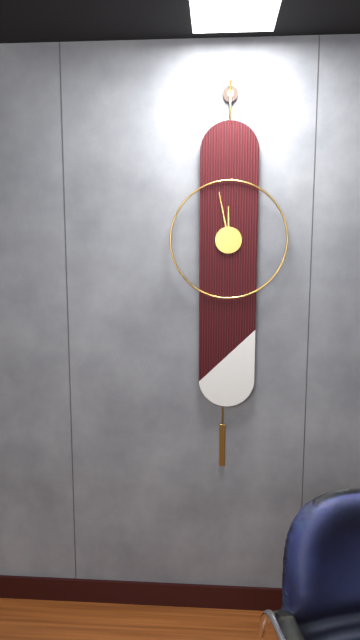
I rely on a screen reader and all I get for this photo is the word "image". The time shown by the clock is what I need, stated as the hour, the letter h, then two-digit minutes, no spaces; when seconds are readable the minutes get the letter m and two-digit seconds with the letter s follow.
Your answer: 11h58
